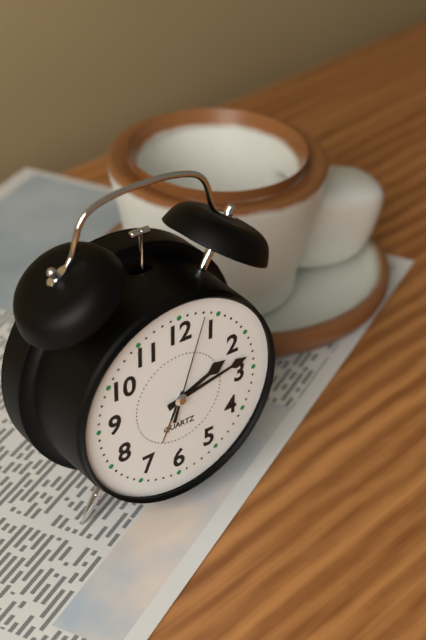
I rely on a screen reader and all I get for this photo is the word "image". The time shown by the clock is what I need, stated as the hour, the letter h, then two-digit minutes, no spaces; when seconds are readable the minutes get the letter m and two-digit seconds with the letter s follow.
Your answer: 2h13m03s
